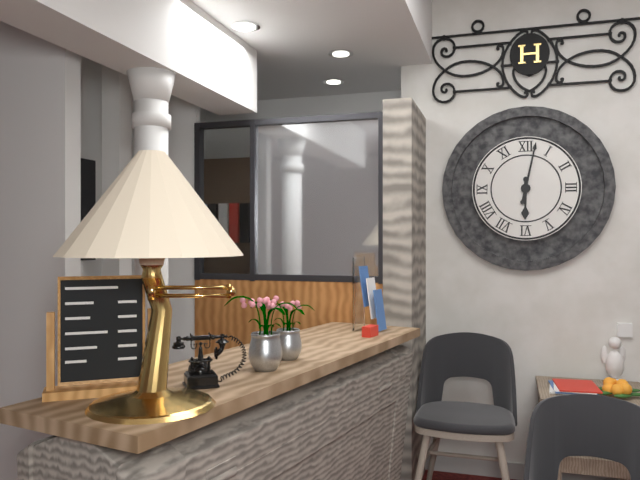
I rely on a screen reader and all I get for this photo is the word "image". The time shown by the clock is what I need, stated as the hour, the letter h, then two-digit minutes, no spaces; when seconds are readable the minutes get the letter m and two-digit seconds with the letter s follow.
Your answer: 6h02
